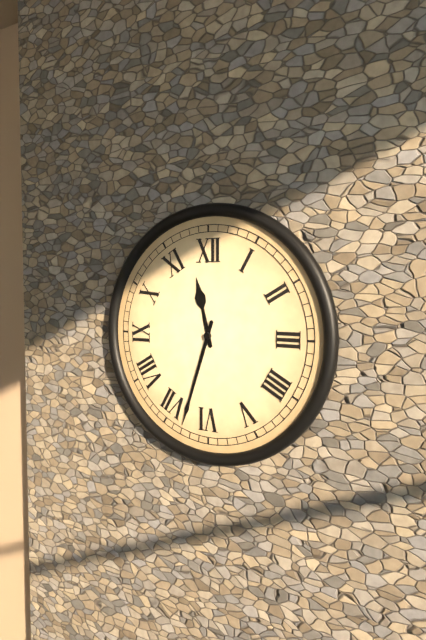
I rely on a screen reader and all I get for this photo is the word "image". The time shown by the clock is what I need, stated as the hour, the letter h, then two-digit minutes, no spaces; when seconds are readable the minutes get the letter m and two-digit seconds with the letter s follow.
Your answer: 11h33
